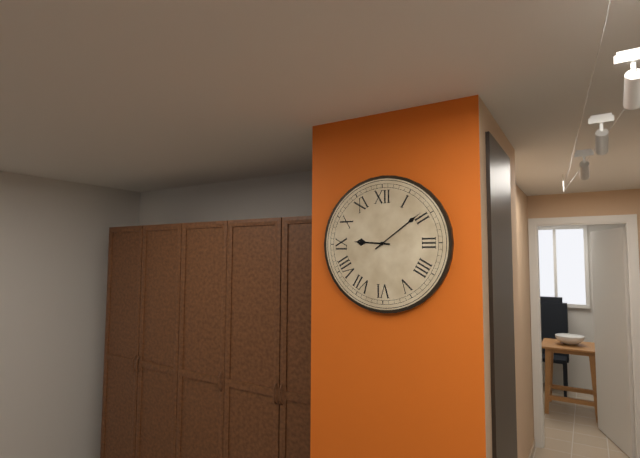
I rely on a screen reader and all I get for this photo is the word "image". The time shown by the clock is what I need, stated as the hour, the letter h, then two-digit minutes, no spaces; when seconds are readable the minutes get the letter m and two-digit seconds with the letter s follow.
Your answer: 9h09
